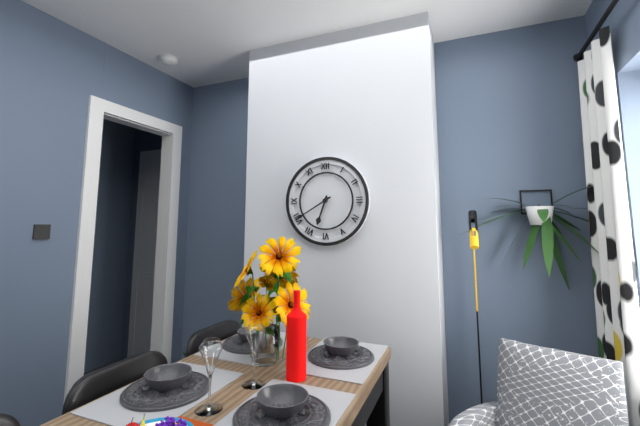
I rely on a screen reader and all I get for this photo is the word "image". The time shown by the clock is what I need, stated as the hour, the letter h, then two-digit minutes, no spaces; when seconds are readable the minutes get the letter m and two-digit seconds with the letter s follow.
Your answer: 6h40
